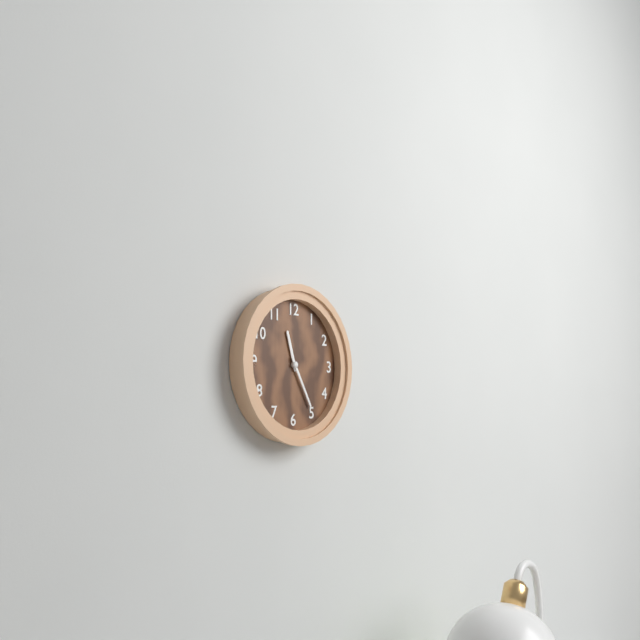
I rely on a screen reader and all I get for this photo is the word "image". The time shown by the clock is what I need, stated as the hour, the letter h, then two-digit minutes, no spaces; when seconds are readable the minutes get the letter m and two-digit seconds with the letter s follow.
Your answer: 11h25
